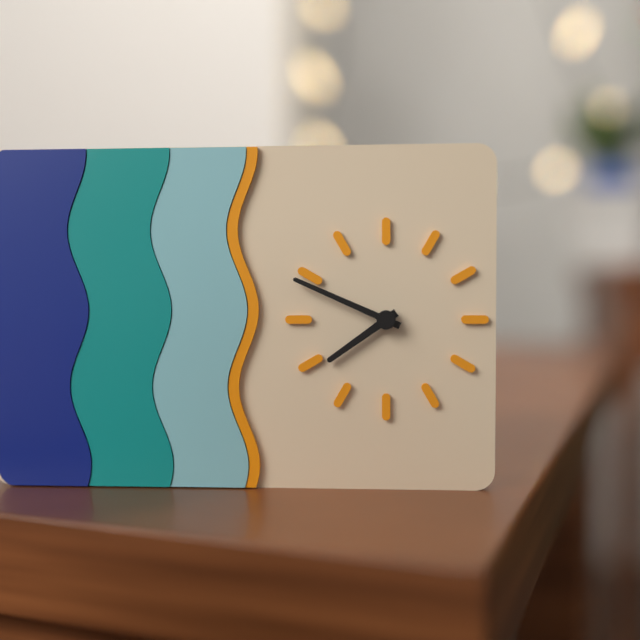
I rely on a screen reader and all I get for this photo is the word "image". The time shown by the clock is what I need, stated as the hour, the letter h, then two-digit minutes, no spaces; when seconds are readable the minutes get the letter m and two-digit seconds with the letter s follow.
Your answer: 7h49
